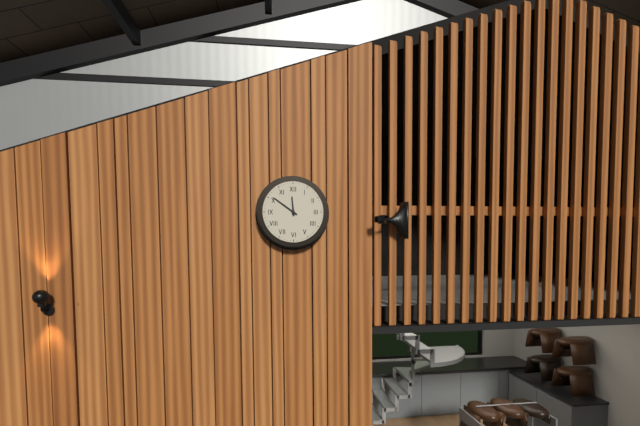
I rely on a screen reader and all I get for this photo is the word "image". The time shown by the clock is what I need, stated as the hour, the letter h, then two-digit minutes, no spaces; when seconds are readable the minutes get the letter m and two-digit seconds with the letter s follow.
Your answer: 11h51
